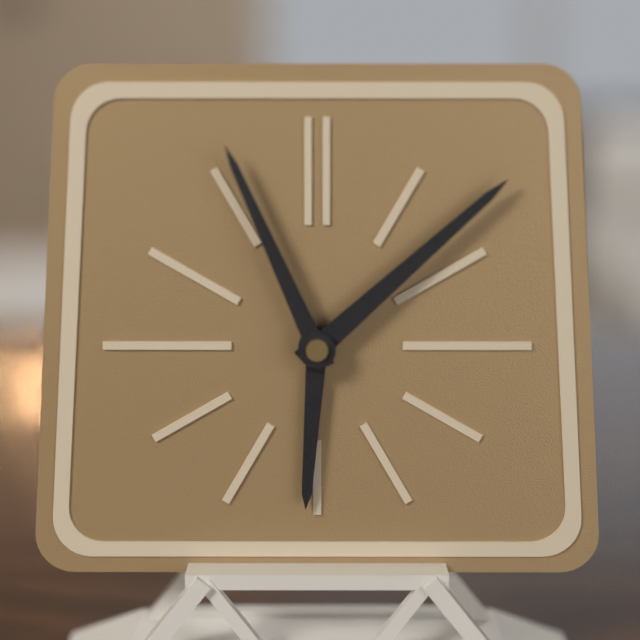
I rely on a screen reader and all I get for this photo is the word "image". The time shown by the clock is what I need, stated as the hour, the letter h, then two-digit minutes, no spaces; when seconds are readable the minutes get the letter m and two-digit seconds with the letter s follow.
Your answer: 6h08m56s
